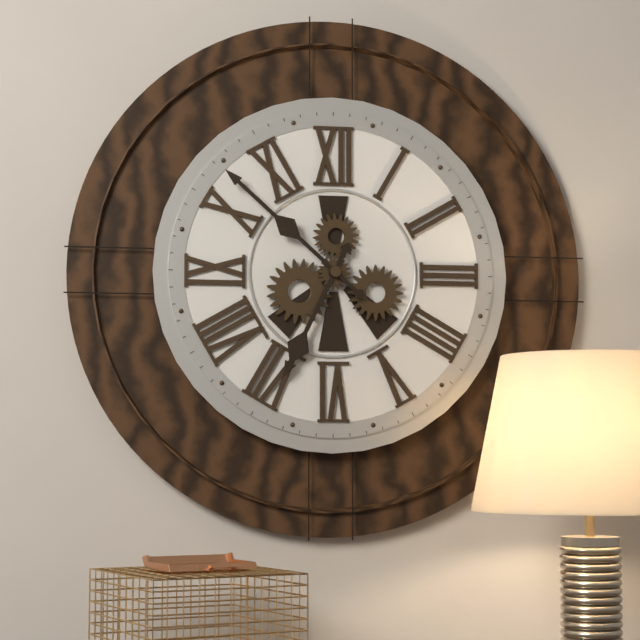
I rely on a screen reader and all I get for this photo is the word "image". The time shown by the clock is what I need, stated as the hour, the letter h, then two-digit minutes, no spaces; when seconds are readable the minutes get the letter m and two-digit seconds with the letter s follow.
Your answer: 6h52
